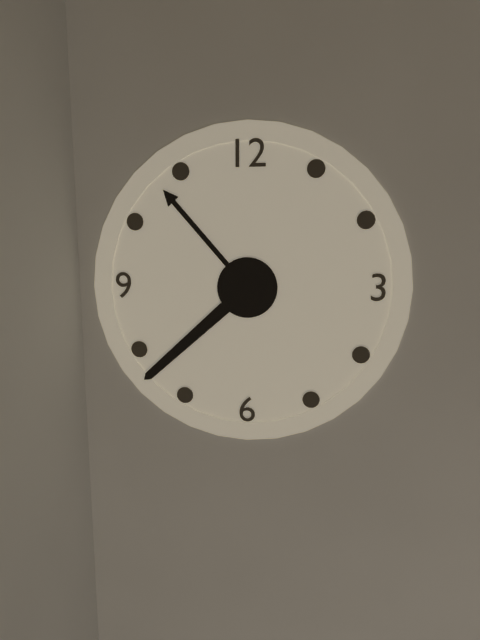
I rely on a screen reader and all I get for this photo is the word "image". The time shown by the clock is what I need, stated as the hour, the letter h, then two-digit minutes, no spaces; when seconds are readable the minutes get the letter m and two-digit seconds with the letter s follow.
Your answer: 10h38
